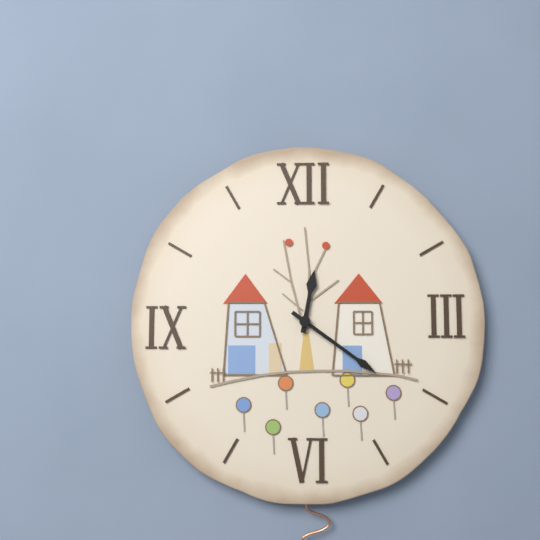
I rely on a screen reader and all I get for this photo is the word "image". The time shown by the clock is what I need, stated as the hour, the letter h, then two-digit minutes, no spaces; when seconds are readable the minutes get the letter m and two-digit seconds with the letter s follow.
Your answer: 12h21
